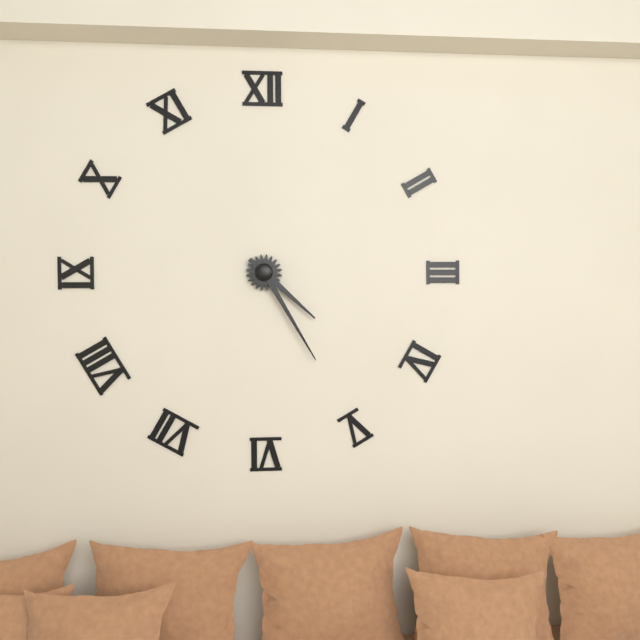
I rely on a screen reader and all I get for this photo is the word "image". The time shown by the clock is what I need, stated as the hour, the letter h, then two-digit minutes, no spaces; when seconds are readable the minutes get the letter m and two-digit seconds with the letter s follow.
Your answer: 4h25
